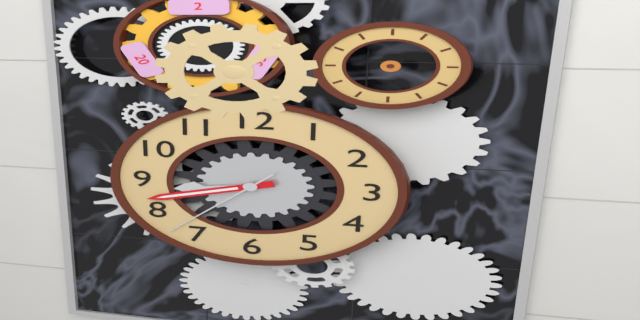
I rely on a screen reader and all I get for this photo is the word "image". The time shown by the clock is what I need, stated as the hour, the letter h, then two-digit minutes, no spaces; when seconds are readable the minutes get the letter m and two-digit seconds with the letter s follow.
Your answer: 8h42m37s
